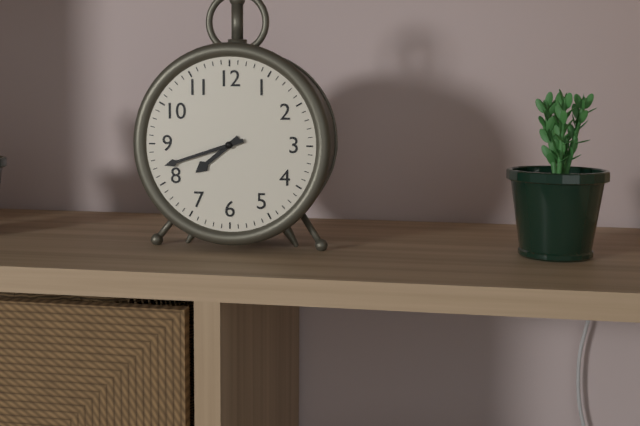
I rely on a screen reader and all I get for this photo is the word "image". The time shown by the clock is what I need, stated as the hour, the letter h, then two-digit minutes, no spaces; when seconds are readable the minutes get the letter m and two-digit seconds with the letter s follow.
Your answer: 7h42
